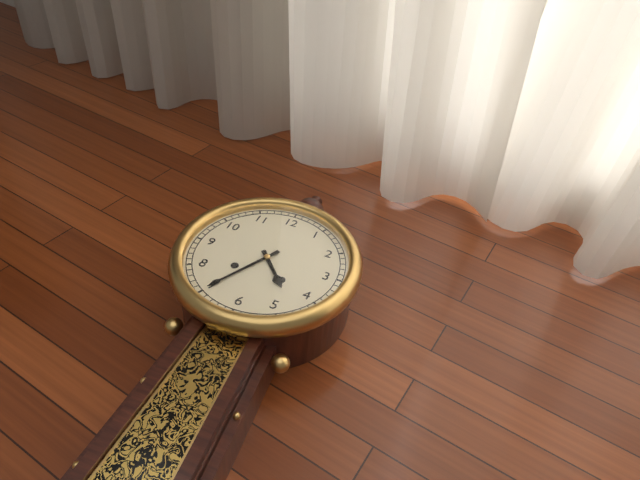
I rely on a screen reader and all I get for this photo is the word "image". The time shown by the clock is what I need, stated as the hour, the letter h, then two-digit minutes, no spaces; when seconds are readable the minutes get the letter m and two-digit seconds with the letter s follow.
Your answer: 4h35
